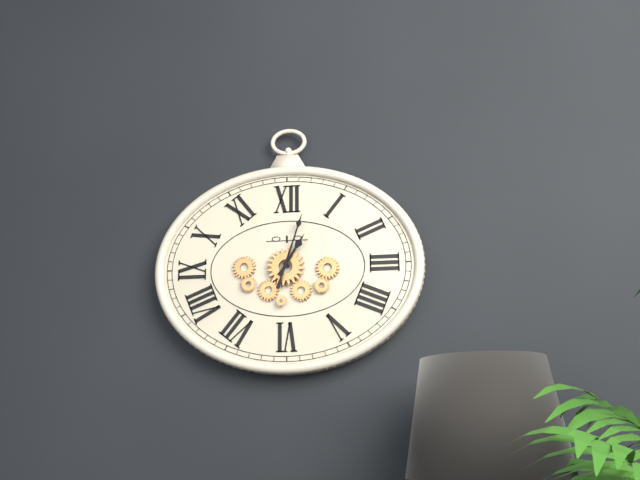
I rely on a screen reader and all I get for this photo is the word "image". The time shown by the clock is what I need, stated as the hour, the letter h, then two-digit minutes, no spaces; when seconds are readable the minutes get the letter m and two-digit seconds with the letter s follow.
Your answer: 1h03
